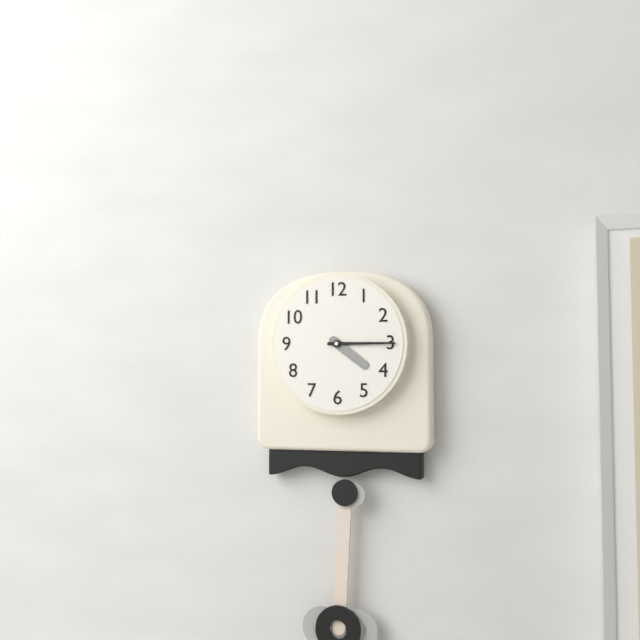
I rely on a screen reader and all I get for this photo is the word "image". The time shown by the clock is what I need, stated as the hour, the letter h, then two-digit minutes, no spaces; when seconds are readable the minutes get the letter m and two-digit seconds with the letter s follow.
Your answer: 4h15
